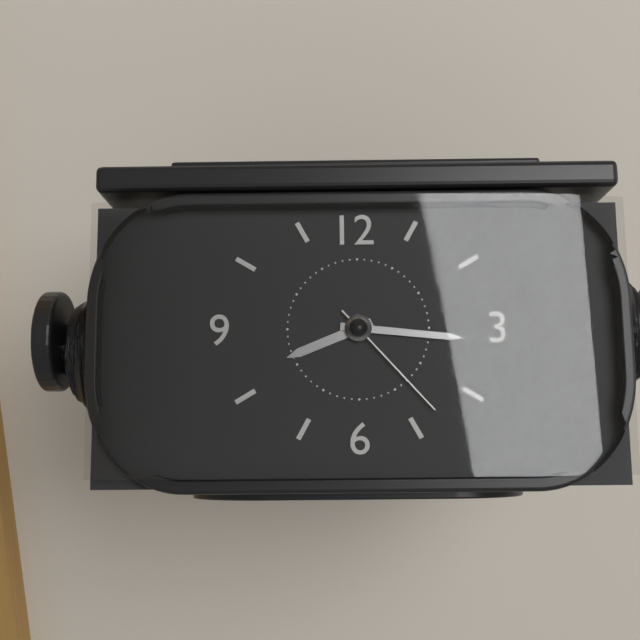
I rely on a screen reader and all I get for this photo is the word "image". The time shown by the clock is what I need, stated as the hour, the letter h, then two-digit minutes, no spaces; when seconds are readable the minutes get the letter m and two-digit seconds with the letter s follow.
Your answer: 8h16m23s
